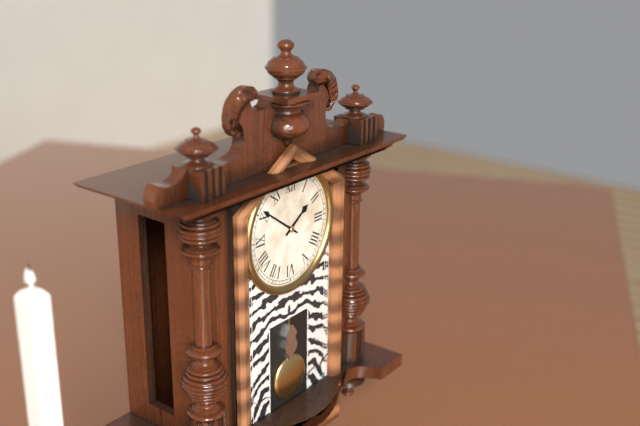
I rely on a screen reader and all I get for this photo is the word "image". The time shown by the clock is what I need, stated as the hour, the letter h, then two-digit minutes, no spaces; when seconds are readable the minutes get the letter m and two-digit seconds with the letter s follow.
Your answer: 1h51
